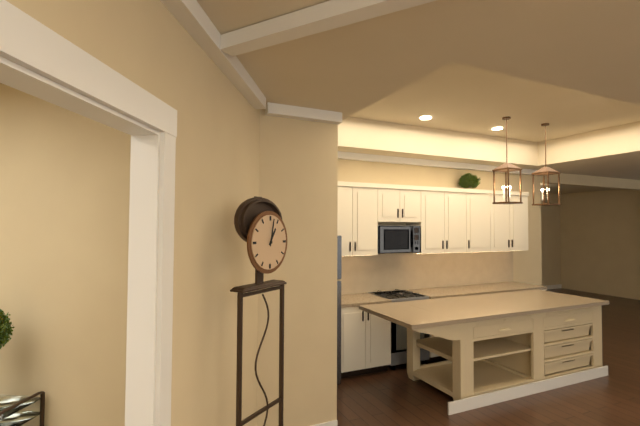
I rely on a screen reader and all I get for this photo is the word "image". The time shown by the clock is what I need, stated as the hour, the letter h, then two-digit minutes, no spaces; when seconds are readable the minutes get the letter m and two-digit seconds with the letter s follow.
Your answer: 1h02
